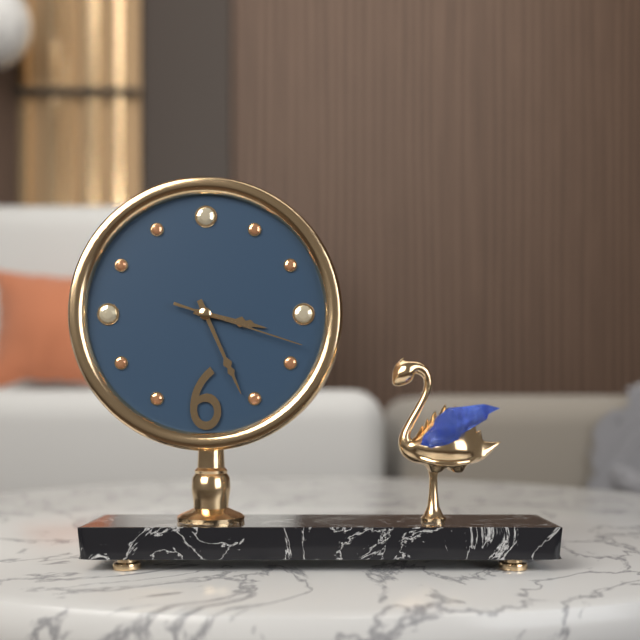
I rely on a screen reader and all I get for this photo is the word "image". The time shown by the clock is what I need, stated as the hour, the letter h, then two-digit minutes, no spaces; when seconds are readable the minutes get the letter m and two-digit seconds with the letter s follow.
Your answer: 3h26m18s
